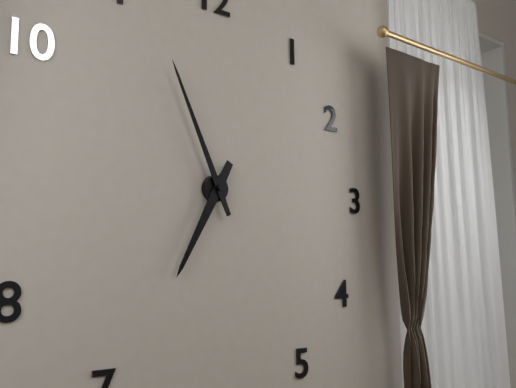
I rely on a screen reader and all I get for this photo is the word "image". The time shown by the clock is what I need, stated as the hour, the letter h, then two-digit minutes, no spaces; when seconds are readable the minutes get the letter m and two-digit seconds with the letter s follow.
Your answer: 6h56
